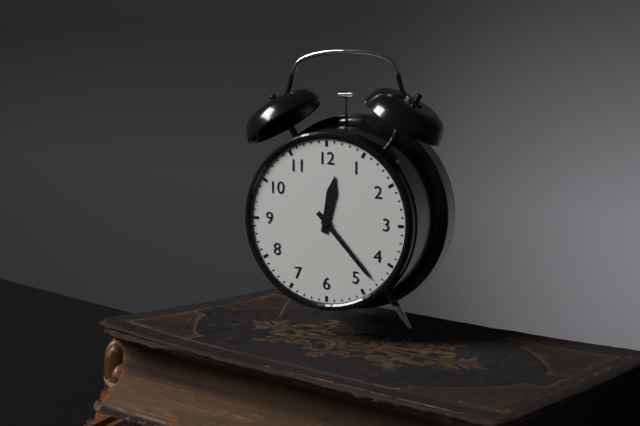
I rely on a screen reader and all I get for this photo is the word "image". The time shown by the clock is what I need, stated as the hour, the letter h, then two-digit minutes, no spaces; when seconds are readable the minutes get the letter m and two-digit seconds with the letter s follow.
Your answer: 12h23
